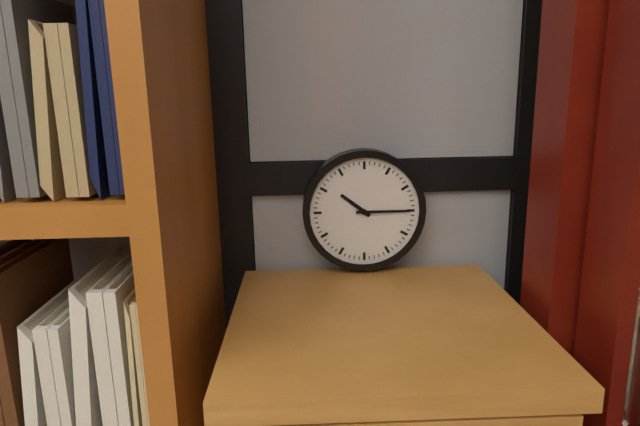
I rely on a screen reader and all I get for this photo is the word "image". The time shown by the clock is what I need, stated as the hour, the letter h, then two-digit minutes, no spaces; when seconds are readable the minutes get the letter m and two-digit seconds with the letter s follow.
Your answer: 10h15
